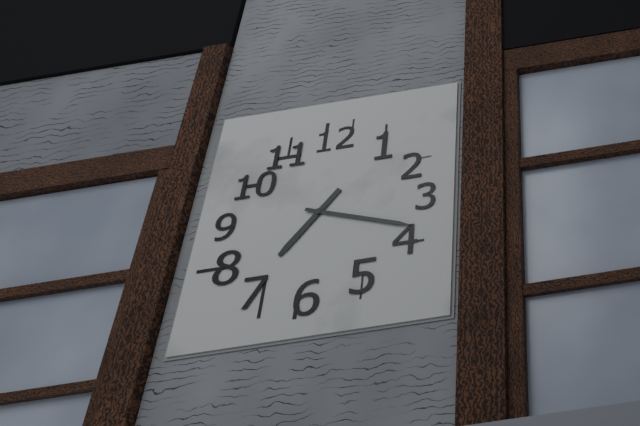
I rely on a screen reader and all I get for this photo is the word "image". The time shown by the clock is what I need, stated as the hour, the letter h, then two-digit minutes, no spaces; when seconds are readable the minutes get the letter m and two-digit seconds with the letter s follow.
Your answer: 7h18
